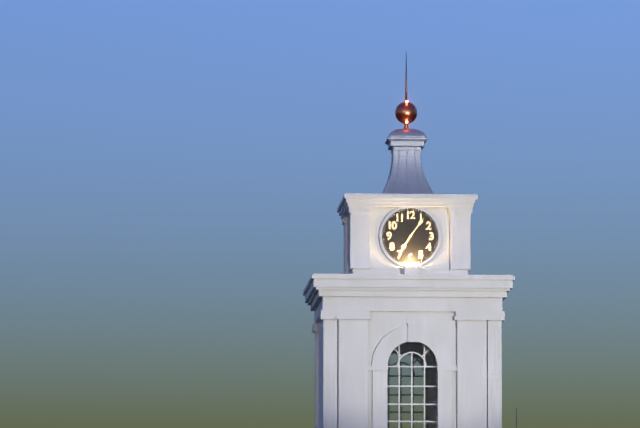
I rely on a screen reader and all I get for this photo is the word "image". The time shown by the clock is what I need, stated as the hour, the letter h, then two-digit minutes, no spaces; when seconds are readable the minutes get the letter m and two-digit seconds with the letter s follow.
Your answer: 7h06
